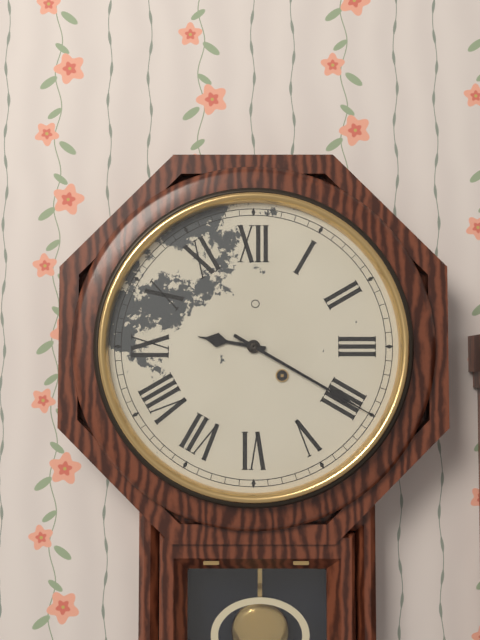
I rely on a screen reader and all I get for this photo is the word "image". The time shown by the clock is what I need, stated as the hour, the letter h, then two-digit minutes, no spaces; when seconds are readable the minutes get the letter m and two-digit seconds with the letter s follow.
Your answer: 9h20
